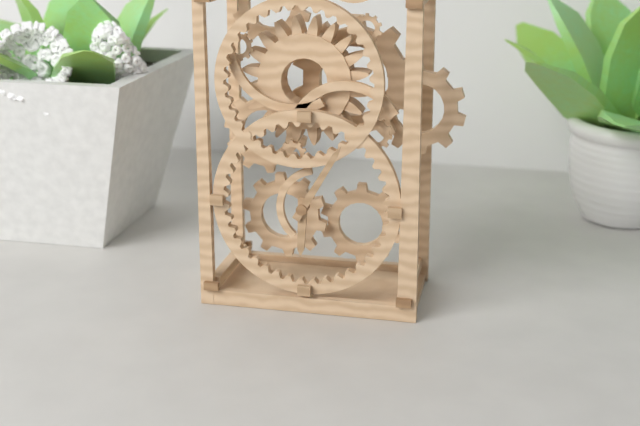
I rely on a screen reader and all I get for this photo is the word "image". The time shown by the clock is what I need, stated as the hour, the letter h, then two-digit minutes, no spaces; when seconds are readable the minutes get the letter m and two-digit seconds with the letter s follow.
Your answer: 6h05
